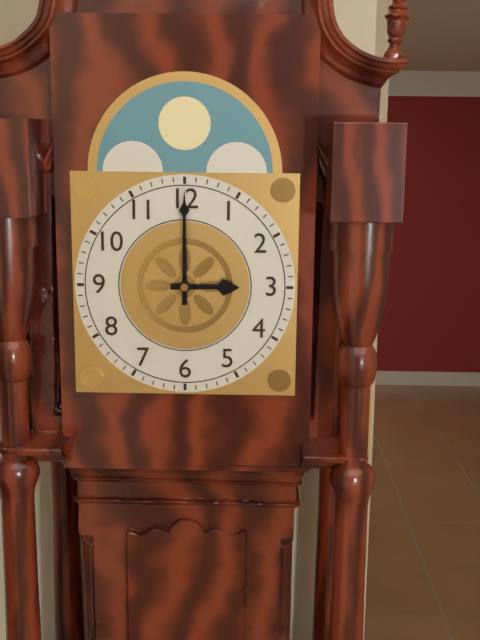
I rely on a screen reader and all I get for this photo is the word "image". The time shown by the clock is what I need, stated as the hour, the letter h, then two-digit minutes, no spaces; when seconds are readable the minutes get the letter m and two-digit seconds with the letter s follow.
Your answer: 3h00
